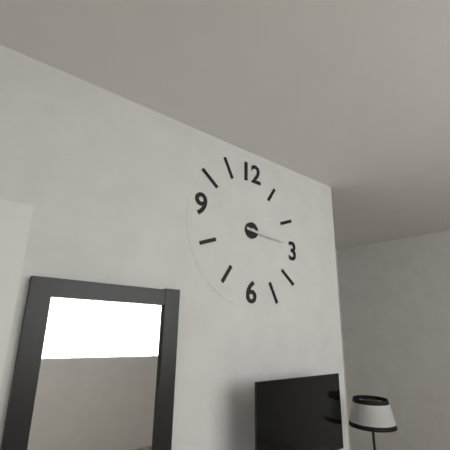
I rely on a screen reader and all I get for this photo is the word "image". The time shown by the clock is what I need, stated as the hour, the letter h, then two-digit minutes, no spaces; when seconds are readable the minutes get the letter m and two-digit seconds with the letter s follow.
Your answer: 3h16
